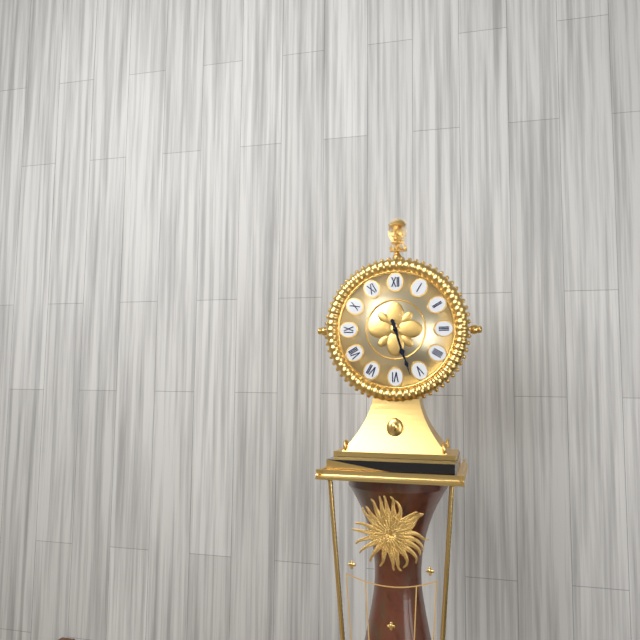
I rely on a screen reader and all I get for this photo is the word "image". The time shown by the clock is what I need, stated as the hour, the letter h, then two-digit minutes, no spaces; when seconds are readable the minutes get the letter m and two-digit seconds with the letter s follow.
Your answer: 5h27
